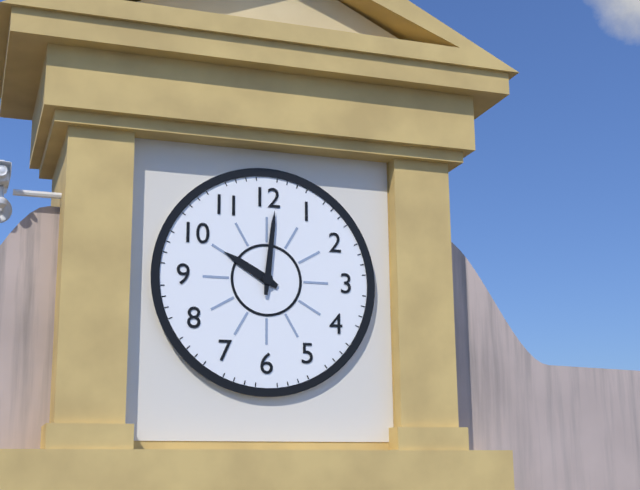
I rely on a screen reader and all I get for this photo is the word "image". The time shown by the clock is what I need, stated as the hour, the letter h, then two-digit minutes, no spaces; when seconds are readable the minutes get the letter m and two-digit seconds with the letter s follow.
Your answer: 10h01
